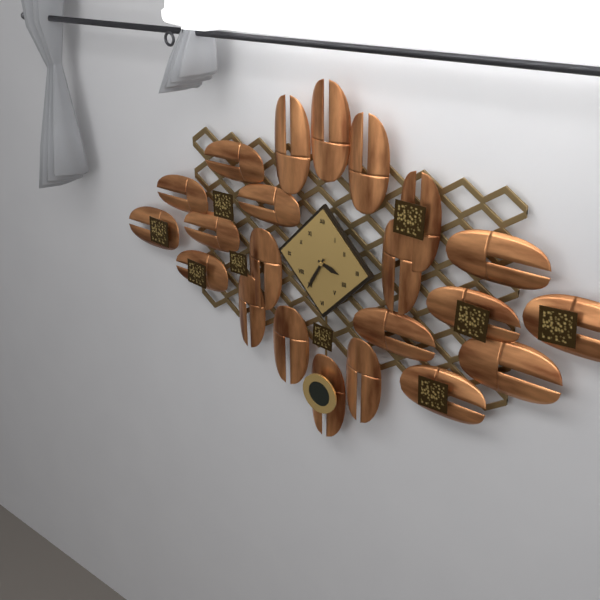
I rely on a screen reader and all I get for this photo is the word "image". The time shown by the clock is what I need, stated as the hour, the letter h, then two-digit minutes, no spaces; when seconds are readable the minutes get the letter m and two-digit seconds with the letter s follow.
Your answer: 3h35
